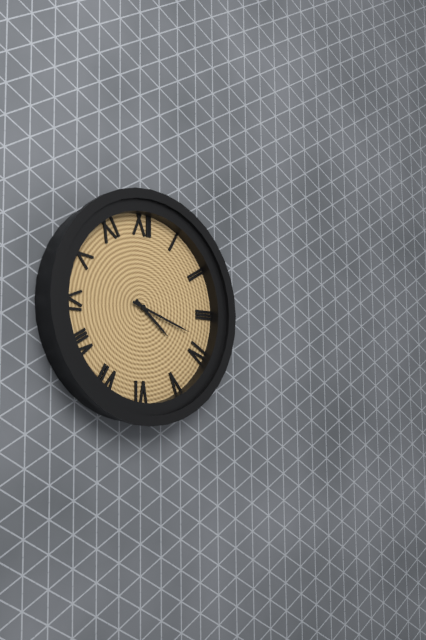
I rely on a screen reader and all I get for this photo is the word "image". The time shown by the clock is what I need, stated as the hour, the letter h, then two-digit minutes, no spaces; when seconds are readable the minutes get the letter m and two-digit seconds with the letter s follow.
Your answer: 4h18
